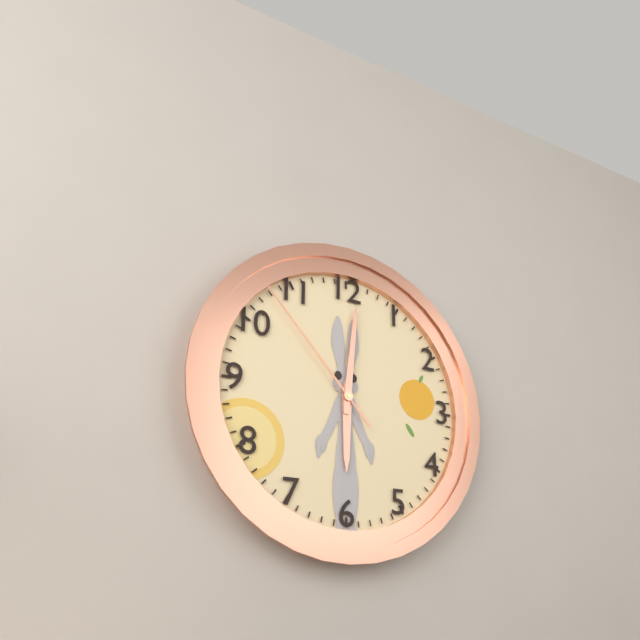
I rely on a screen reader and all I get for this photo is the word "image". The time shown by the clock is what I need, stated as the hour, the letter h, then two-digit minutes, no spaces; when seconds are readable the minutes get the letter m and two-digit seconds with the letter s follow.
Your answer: 6h01m53s
